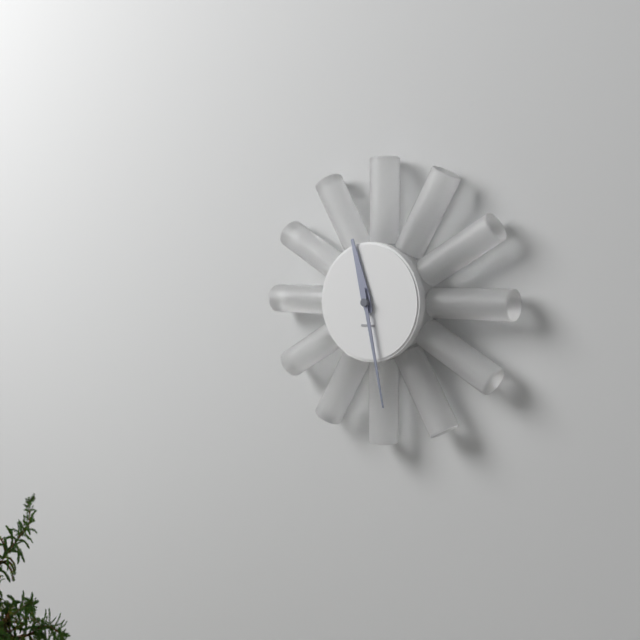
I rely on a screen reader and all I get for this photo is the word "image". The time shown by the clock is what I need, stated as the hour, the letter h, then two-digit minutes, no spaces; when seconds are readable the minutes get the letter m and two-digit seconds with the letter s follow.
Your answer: 11h28
